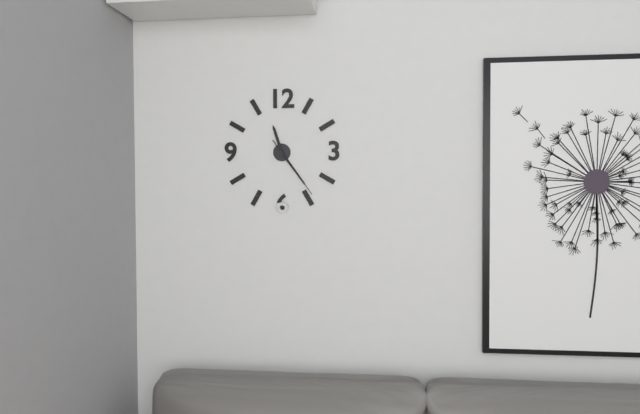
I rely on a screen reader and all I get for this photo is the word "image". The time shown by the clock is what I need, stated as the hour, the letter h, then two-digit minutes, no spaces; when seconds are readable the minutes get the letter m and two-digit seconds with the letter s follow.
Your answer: 11h24m24s
